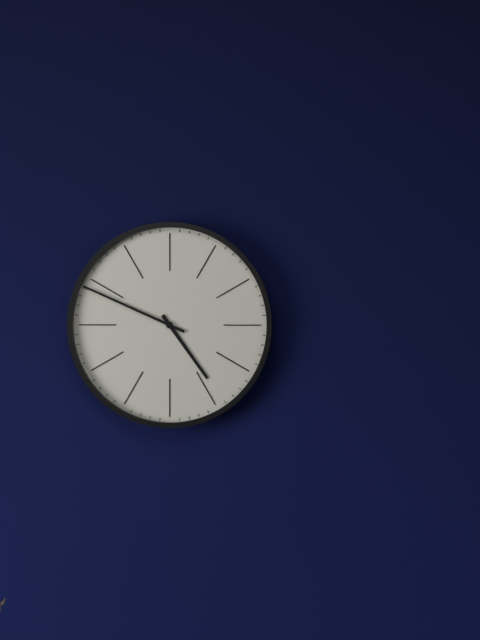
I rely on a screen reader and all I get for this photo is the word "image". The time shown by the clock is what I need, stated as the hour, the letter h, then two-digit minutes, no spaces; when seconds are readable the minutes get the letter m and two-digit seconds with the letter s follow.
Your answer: 4h49
